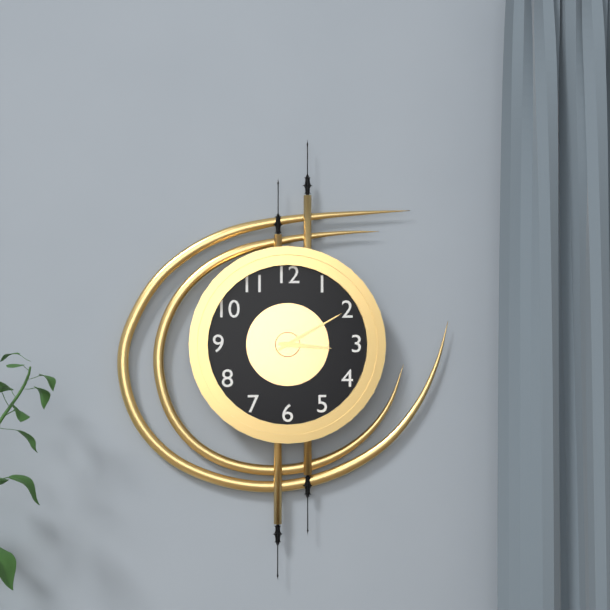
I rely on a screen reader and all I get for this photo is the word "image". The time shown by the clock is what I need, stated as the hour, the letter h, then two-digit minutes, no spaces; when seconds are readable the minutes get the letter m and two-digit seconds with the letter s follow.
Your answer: 3h10
